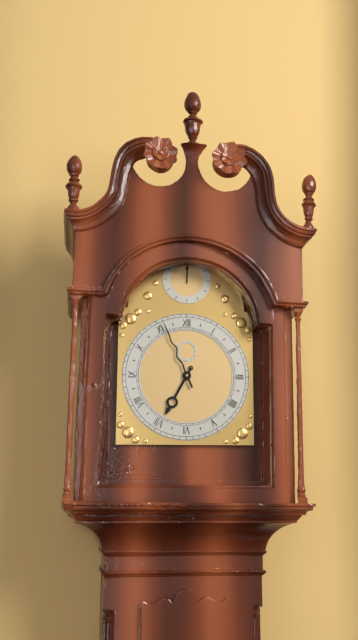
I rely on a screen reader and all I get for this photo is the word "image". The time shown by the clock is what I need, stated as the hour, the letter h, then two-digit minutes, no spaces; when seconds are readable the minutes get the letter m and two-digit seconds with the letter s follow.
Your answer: 6h56
